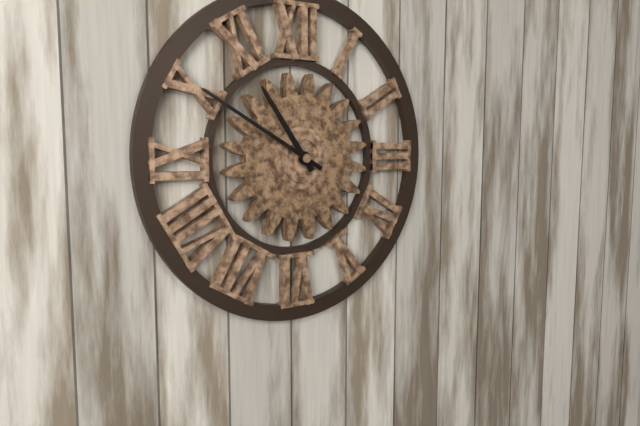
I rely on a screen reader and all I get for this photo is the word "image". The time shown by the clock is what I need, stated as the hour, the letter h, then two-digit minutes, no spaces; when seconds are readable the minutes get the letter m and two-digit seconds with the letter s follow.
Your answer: 10h50
